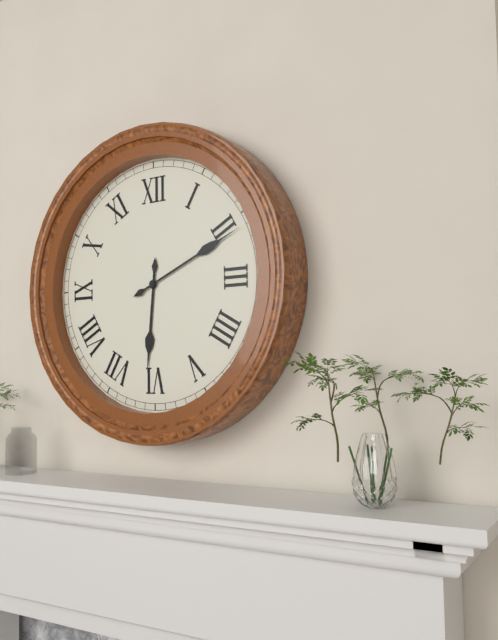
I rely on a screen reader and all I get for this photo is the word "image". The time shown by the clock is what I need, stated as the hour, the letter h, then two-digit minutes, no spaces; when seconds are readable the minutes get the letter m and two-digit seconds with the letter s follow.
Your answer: 6h11
